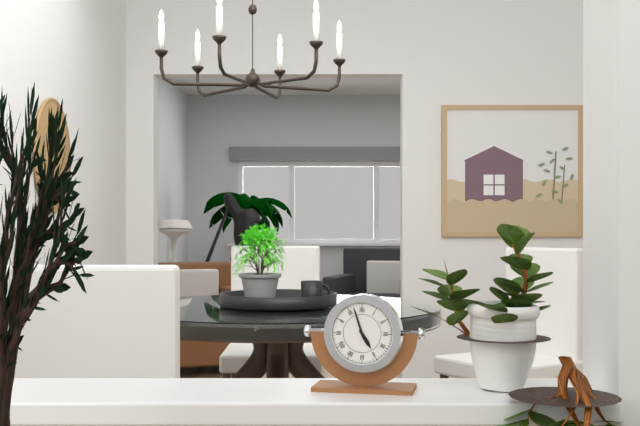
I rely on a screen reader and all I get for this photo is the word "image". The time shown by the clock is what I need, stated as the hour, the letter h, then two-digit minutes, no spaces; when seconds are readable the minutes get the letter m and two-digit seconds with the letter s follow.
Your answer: 4h57
